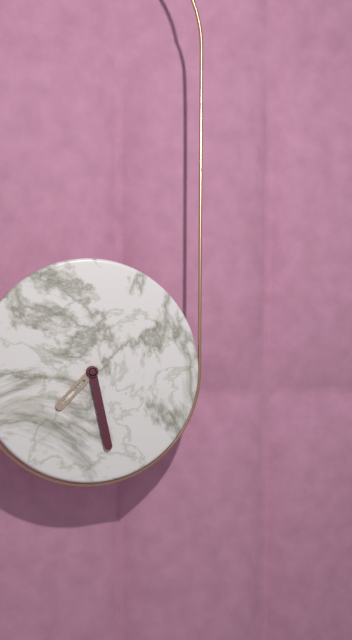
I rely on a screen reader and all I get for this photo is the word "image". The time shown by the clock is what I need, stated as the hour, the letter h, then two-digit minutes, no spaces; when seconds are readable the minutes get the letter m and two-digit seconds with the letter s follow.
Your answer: 7h28
